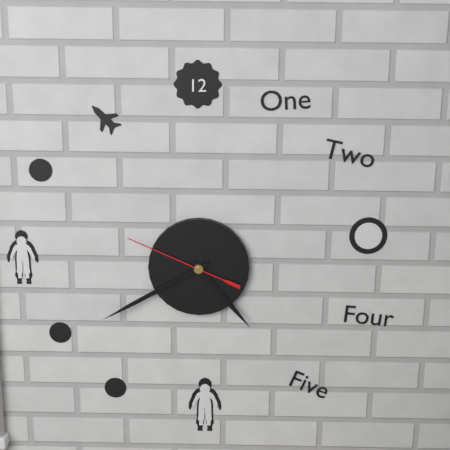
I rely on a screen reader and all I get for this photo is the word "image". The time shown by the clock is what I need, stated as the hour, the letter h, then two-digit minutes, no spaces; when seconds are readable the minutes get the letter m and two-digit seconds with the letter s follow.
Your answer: 4h40m49s
